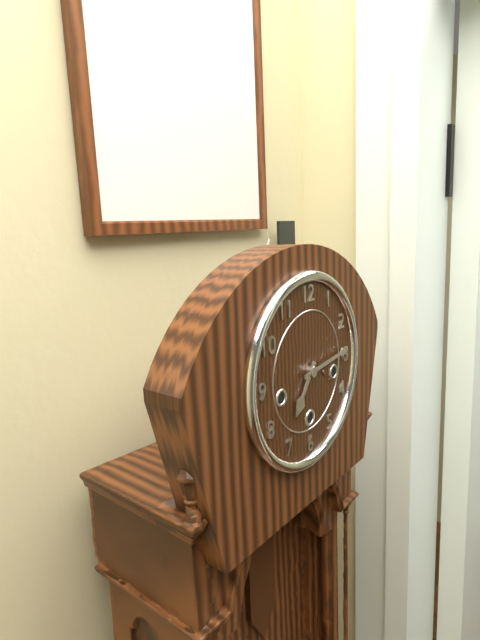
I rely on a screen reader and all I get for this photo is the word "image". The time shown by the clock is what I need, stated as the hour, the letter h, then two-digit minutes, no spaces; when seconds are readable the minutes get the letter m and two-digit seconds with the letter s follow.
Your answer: 7h14
